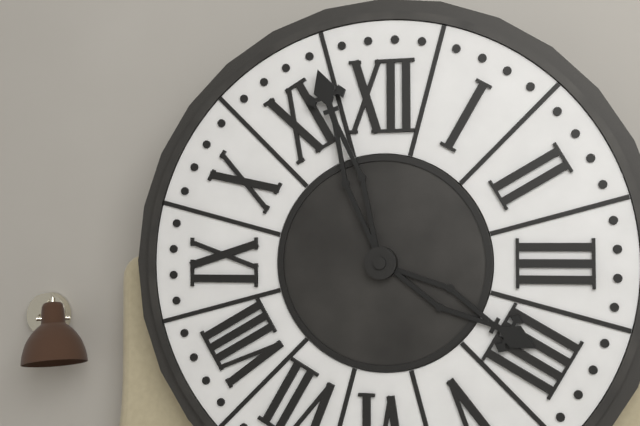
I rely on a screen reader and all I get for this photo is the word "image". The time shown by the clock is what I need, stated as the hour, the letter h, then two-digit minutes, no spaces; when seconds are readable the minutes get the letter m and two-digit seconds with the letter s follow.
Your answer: 3h57
